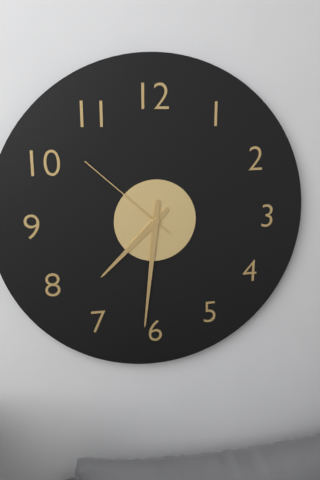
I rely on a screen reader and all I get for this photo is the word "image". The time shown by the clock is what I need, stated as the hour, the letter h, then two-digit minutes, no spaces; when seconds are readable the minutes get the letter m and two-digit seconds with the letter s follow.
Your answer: 7h31m52s
